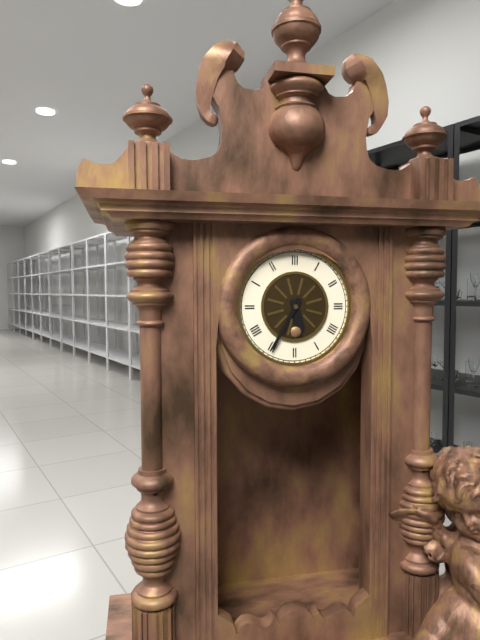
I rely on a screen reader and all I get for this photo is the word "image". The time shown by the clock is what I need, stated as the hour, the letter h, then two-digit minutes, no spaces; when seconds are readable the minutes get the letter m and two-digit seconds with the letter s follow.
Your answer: 5h35
